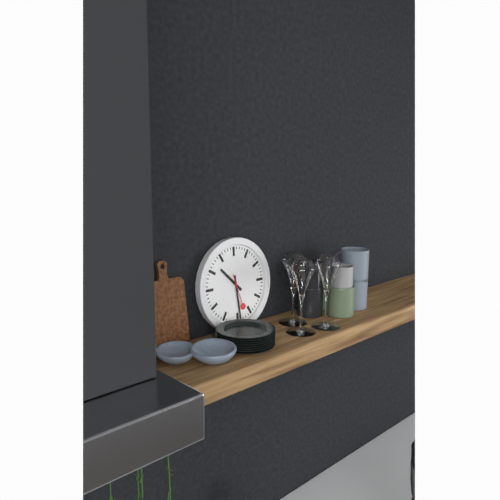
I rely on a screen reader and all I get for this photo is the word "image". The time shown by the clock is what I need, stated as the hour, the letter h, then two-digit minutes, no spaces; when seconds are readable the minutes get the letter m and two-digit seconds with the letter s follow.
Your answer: 10h29
